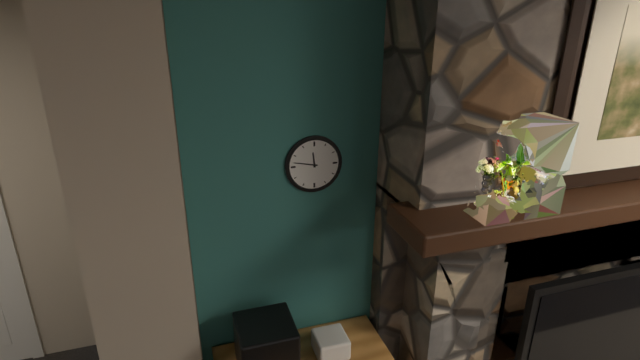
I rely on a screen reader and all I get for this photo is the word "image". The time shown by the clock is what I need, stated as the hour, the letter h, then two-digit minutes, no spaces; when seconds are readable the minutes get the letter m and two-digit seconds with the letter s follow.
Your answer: 11h47
